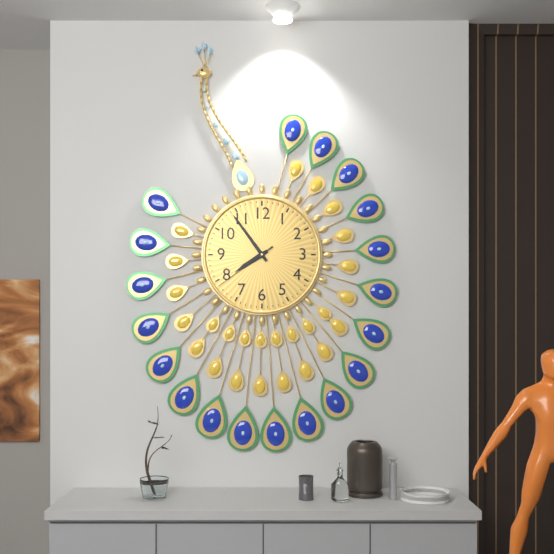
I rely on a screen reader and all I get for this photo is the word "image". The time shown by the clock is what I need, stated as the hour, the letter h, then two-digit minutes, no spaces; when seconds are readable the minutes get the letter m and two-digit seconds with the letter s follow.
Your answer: 7h54m39s
